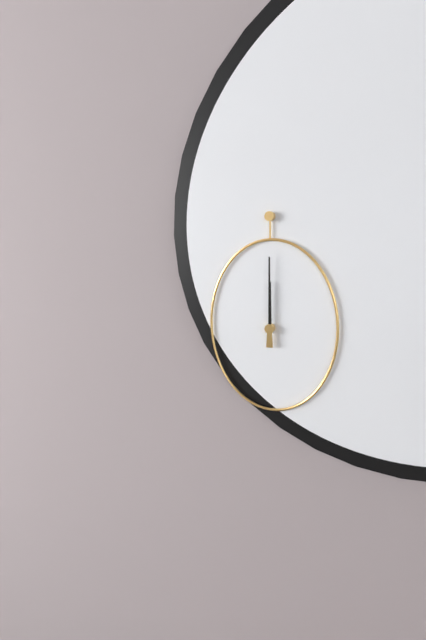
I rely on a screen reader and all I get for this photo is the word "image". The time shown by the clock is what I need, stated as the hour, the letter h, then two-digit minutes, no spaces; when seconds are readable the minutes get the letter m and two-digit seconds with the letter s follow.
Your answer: 12h00
